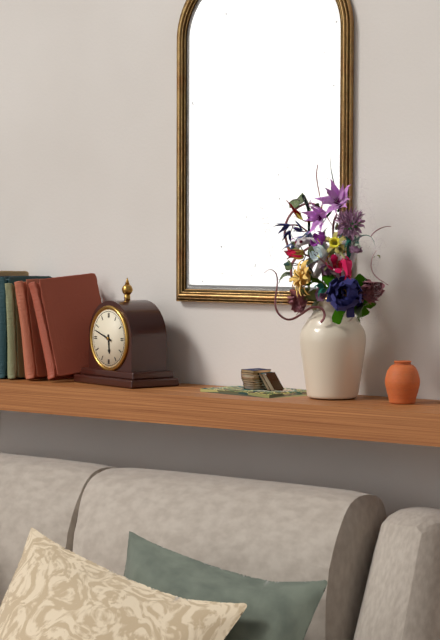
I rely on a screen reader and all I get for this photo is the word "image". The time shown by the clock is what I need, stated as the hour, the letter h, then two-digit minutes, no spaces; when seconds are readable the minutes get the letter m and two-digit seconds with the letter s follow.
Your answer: 5h48
